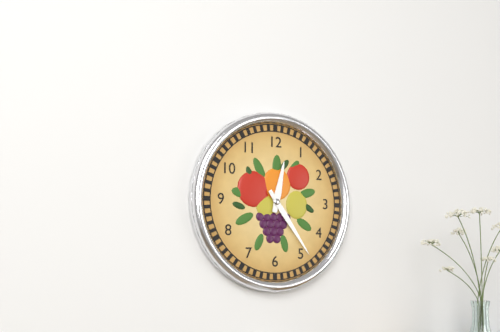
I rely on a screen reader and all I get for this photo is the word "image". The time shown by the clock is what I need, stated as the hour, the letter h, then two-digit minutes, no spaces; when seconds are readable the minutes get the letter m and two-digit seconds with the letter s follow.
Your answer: 12h24
